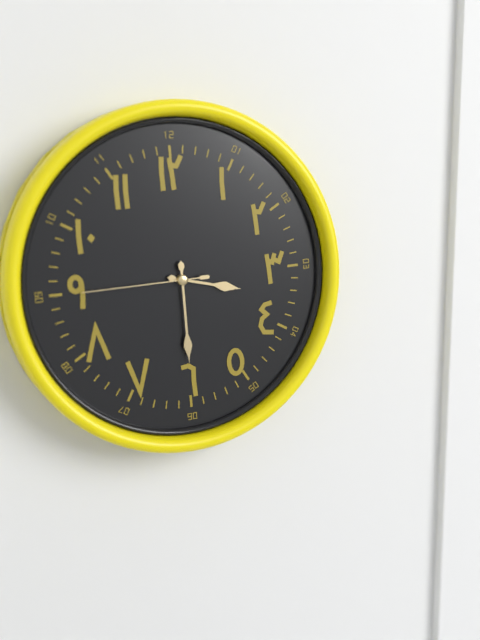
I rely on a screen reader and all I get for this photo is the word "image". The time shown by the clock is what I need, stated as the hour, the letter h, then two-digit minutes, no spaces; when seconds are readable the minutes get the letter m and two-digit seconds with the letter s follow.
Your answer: 3h30m45s
